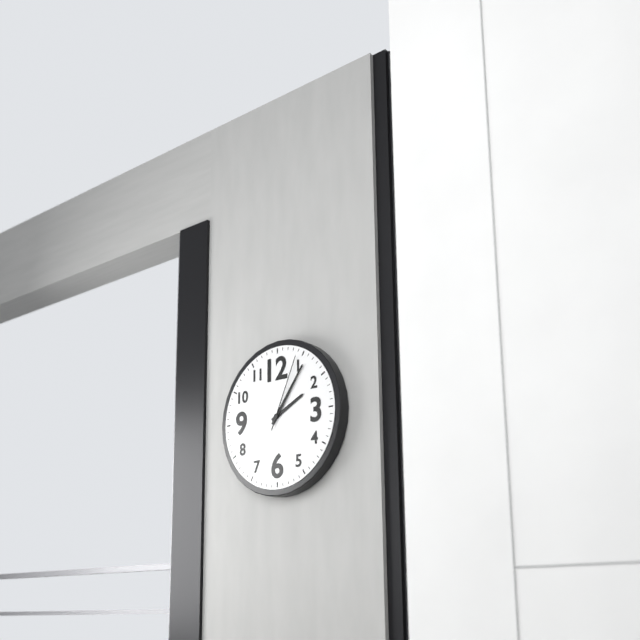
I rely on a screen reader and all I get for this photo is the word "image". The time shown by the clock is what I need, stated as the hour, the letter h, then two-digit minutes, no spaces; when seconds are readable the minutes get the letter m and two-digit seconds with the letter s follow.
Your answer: 2h06m04s
